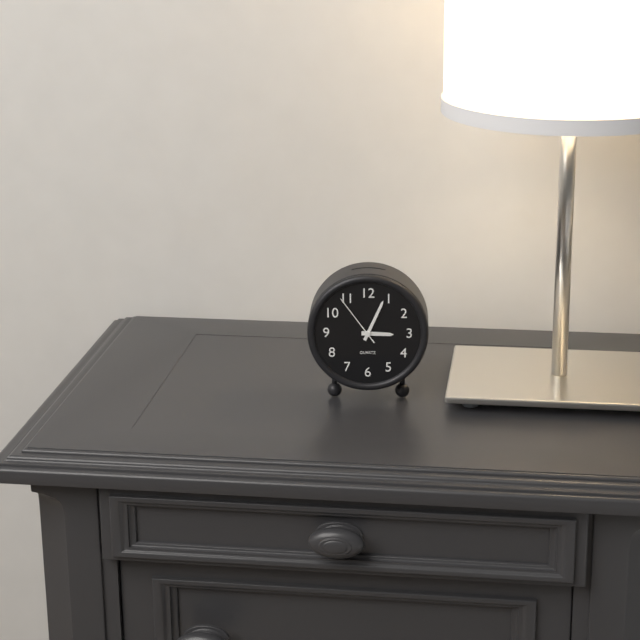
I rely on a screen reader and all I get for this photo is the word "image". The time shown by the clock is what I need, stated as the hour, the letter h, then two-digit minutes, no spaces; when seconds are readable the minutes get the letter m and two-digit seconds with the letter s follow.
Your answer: 3h04m54s
